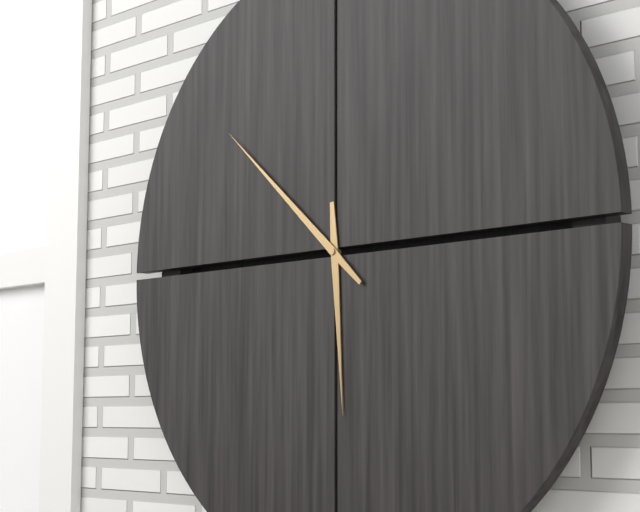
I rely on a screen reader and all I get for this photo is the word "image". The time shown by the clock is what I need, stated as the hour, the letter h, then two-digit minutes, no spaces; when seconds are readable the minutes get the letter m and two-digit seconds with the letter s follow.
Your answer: 5h52
